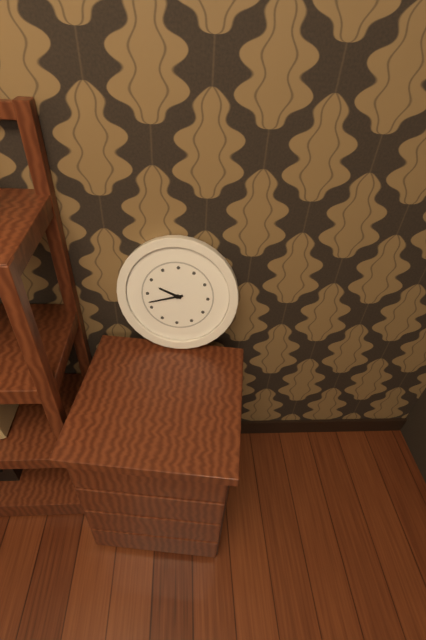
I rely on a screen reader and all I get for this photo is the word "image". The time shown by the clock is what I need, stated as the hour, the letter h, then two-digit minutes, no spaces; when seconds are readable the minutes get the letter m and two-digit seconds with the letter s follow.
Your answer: 9h42
